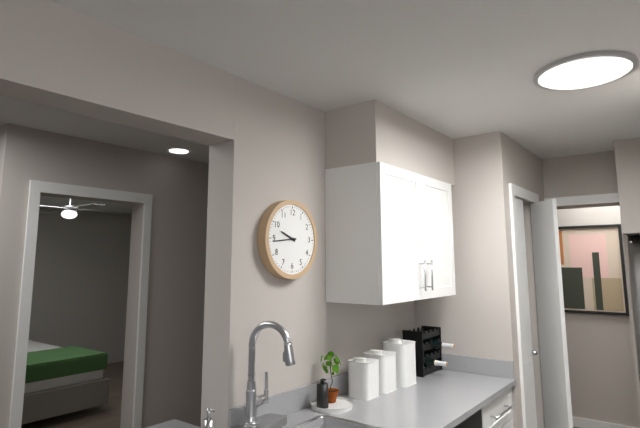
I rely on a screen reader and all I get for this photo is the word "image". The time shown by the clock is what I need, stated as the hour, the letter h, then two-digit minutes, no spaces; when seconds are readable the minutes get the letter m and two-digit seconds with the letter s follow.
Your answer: 9h44
